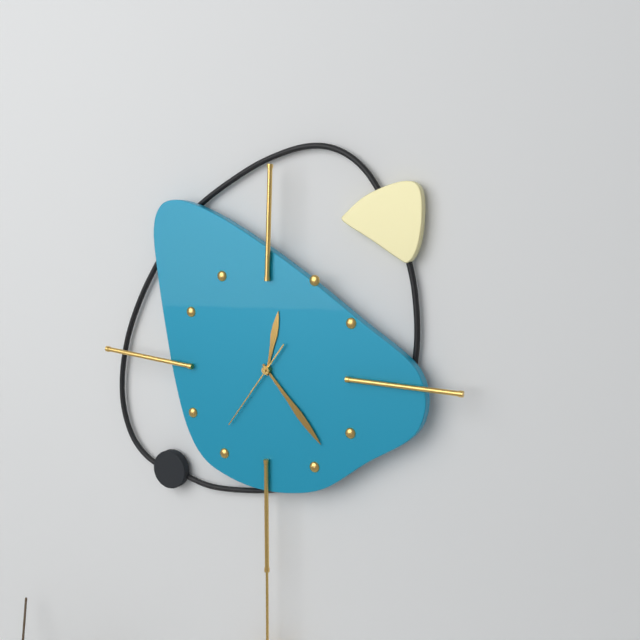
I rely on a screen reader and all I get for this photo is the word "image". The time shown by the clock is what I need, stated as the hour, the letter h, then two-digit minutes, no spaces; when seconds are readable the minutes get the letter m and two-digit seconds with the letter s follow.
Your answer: 12h23m36s
